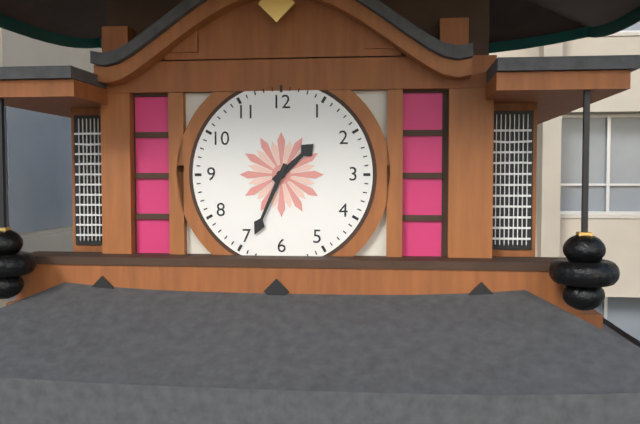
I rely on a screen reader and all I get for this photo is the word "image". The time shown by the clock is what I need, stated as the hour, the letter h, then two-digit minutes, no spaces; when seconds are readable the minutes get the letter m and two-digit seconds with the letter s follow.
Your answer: 1h34
